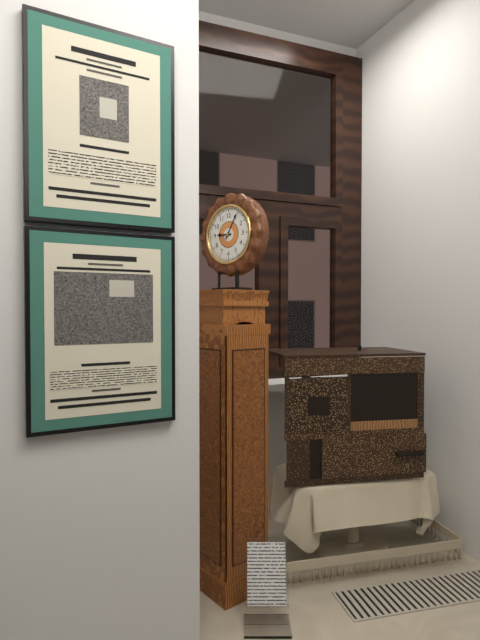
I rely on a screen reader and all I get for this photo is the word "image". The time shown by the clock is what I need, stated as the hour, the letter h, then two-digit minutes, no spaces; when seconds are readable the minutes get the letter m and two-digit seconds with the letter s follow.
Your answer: 9h05
